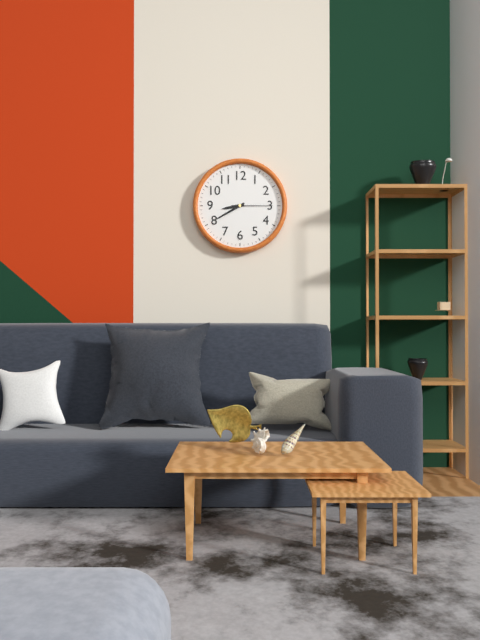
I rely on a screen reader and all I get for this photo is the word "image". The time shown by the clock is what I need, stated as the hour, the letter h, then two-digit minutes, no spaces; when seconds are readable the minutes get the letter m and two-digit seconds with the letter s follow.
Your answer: 8h40
